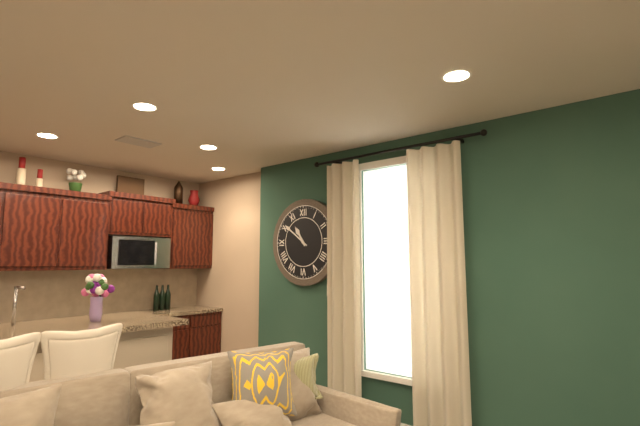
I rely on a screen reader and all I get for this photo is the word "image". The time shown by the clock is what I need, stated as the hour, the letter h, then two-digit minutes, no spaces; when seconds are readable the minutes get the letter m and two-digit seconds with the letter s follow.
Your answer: 10h51
